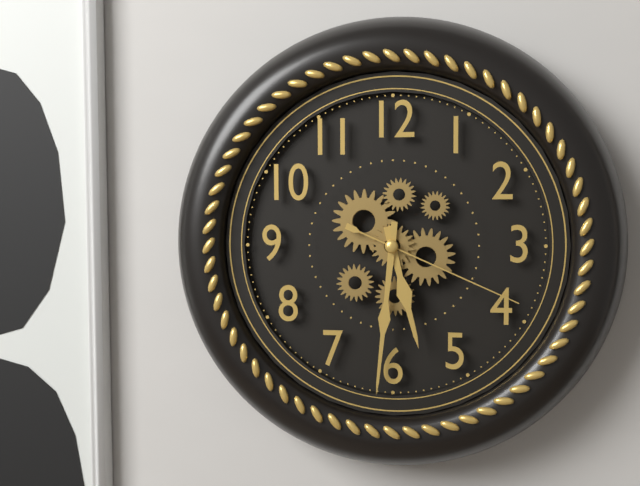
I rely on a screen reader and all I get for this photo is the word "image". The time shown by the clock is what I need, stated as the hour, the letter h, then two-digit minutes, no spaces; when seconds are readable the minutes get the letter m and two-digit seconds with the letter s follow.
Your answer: 5h31m19s
